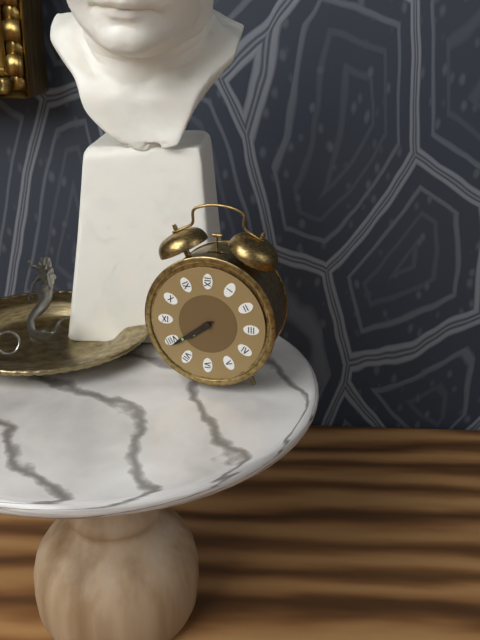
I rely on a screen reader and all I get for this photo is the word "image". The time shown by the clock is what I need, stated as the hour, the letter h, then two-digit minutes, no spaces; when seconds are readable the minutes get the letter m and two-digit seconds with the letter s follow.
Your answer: 7h39
